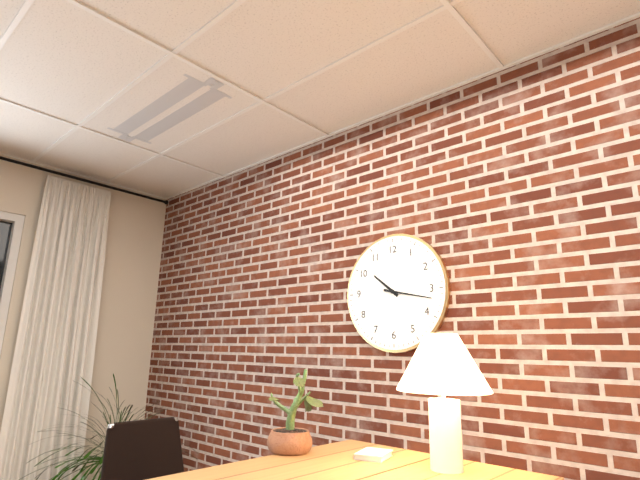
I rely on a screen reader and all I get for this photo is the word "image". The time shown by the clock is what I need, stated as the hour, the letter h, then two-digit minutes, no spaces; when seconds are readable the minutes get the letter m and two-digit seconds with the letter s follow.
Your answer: 10h17
